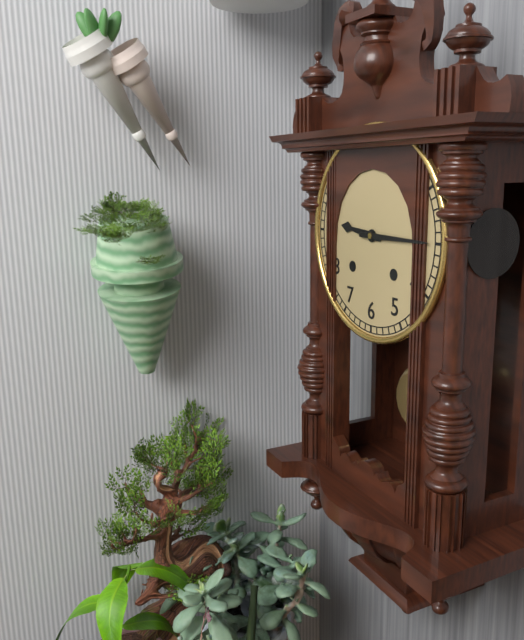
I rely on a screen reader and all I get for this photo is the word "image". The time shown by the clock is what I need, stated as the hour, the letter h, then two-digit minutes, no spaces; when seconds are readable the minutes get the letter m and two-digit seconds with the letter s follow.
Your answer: 9h15
